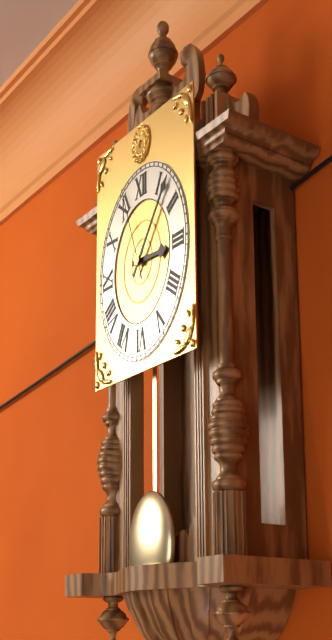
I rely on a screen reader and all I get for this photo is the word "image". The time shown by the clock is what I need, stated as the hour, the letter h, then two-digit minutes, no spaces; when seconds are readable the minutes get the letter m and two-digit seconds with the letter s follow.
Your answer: 3h07m56s
